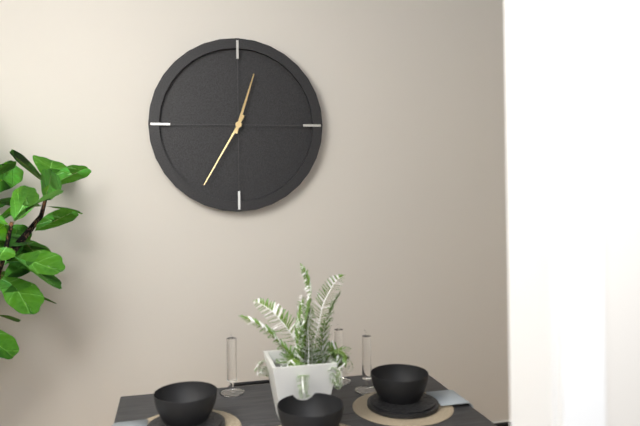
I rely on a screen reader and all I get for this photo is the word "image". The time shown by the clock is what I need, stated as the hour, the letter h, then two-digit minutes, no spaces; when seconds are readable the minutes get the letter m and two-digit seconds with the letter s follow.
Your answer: 12h35
